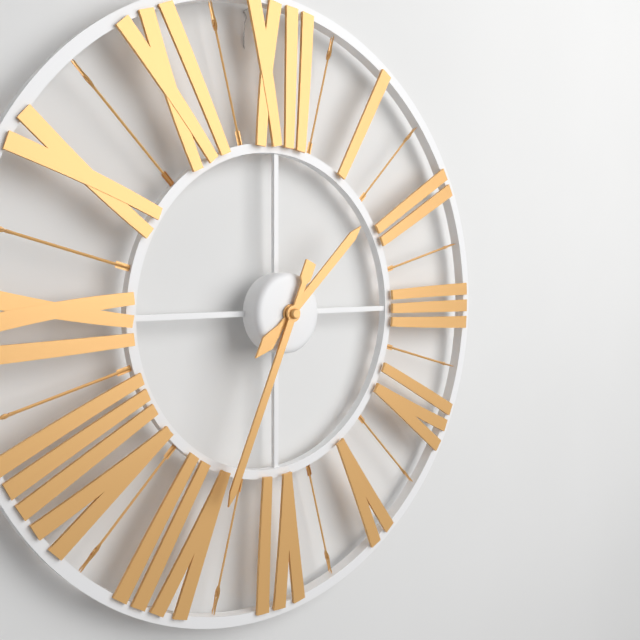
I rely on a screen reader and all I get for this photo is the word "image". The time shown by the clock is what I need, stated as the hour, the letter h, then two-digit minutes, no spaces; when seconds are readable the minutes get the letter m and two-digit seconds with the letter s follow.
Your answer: 1h34
